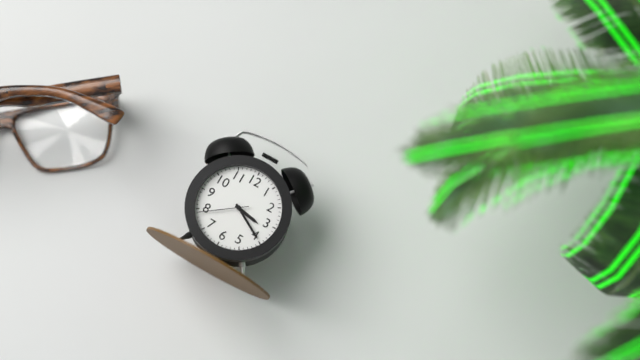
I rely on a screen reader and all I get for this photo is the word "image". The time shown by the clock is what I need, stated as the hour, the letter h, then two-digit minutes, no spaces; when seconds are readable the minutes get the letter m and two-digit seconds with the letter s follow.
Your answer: 3h20m39s
